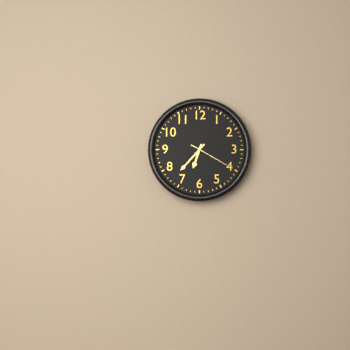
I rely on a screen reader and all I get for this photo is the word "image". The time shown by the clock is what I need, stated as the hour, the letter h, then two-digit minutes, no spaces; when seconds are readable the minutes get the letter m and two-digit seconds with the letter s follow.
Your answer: 6h37
